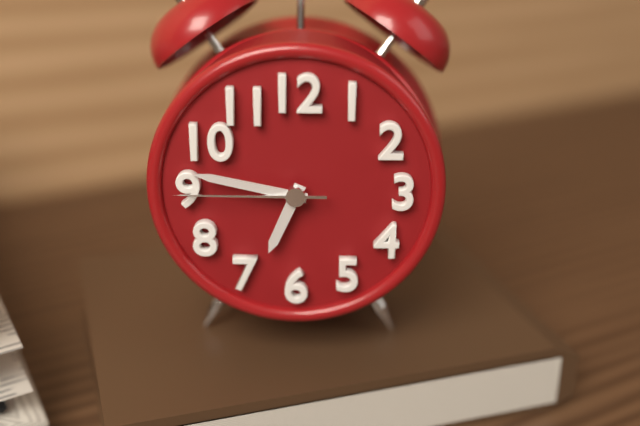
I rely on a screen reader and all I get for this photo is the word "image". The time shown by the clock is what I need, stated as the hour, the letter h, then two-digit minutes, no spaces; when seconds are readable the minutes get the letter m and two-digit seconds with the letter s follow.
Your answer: 6h47m45s
